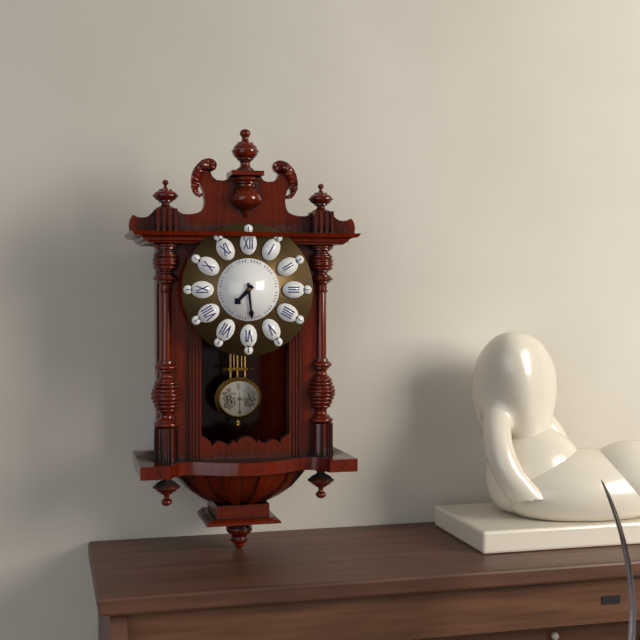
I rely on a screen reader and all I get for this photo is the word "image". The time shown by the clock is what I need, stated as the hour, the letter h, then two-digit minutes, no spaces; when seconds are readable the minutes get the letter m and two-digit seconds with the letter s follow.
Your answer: 7h29
